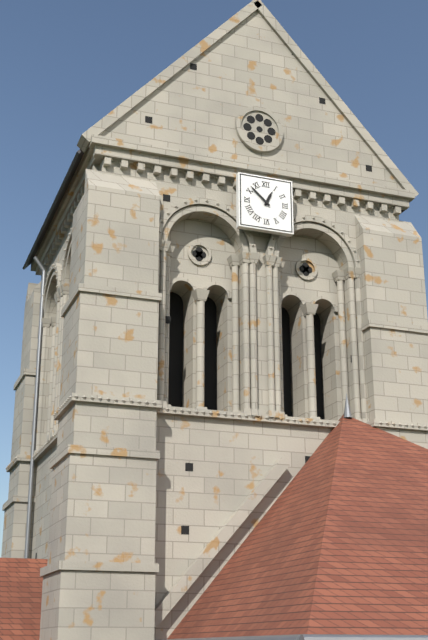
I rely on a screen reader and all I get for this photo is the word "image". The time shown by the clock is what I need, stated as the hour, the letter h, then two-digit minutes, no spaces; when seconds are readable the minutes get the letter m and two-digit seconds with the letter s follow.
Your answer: 12h52
